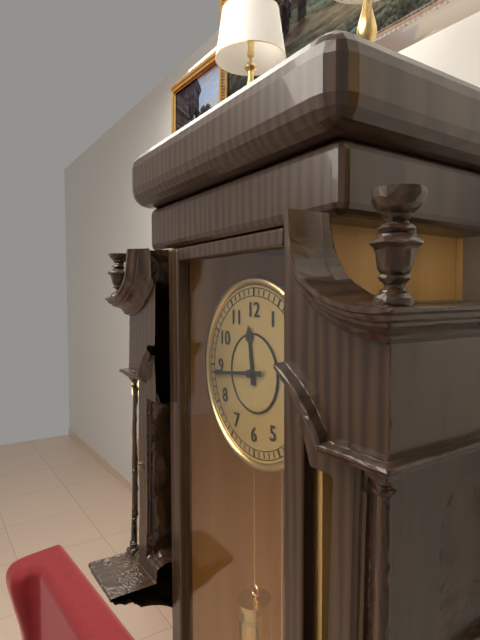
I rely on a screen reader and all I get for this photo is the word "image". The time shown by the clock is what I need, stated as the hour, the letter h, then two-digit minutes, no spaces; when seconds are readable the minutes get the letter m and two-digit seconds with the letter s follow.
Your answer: 11h44
